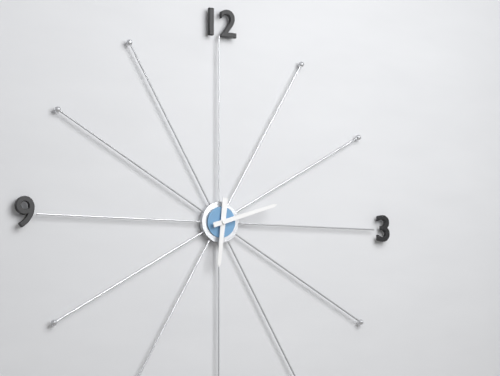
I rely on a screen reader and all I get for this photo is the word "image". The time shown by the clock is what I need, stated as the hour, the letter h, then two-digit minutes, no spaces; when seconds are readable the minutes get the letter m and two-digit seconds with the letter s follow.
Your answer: 6h12
